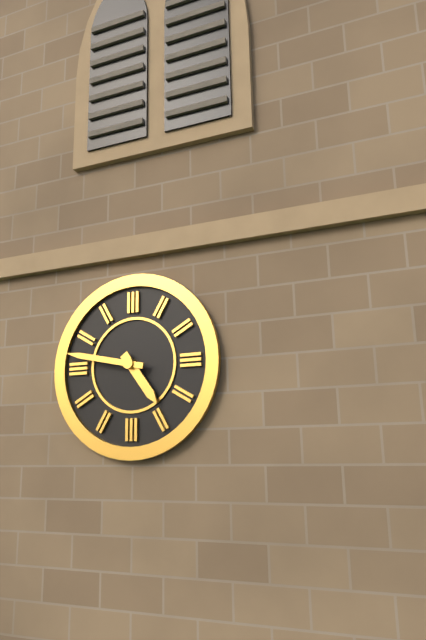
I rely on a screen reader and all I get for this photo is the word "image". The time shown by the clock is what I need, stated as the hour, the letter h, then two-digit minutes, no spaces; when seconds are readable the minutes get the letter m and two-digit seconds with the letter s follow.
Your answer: 4h47
